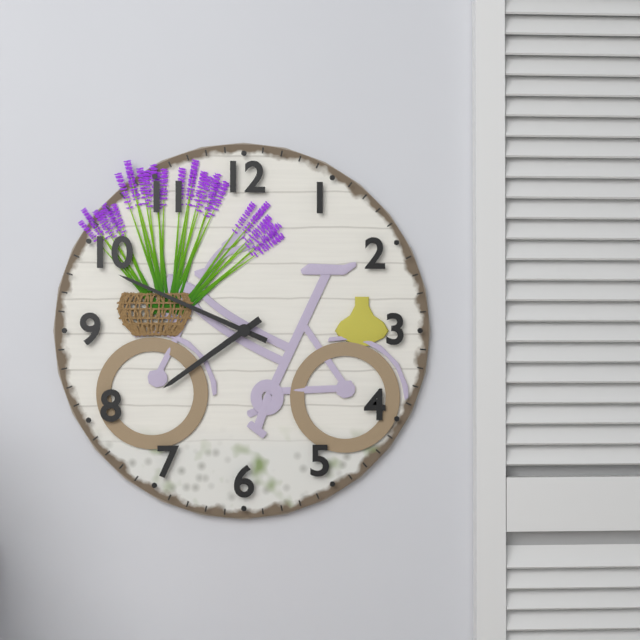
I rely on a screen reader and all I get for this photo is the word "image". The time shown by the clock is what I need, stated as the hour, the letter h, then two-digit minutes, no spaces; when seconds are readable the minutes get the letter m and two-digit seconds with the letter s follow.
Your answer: 7h49
